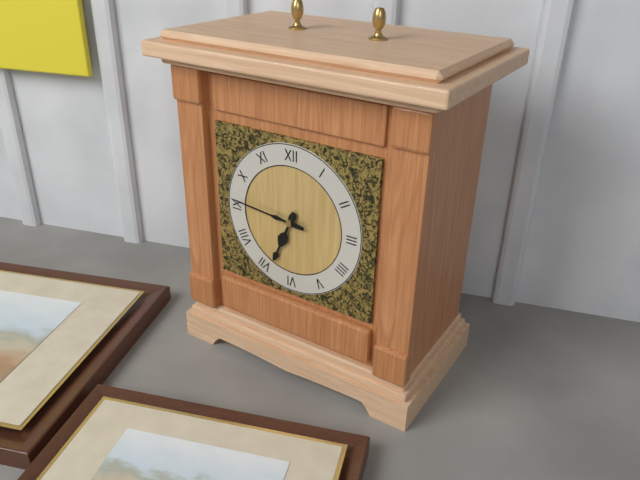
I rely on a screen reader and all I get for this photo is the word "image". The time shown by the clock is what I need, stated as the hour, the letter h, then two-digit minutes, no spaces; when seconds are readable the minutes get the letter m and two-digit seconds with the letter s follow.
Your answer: 6h46
